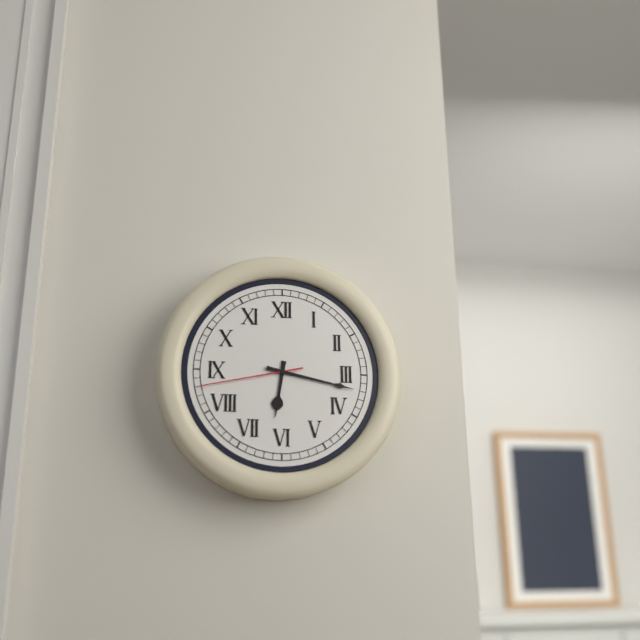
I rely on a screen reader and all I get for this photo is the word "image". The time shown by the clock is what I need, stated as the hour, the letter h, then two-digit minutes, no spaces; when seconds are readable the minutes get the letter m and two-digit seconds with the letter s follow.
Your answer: 6h17m43s
